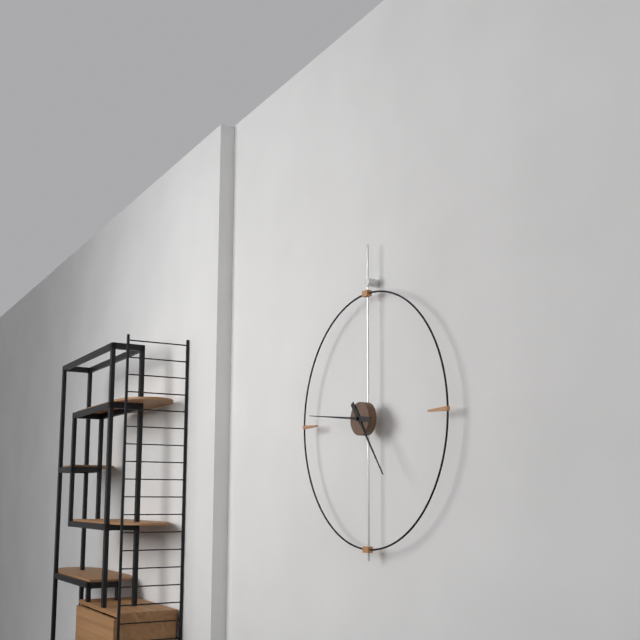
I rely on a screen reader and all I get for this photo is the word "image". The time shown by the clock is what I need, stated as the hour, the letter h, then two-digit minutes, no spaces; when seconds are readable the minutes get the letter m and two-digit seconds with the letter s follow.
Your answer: 4h46
